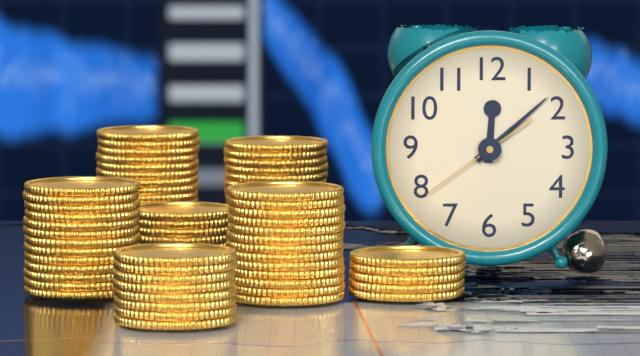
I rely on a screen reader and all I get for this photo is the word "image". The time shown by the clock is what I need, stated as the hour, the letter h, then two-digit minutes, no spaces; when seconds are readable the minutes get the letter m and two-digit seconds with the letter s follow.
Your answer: 12h08m39s
